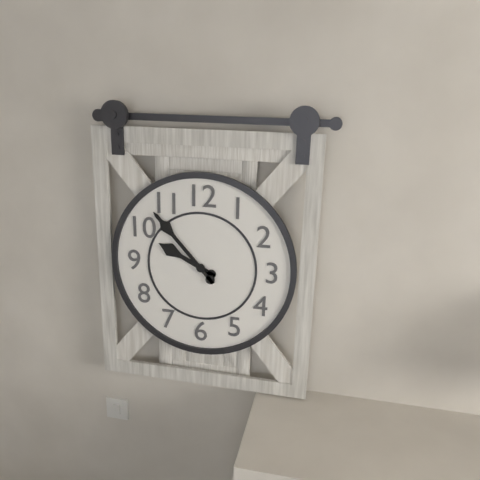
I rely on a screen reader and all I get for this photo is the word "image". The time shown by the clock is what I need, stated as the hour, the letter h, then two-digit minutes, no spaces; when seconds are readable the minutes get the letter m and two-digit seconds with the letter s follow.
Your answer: 9h53
